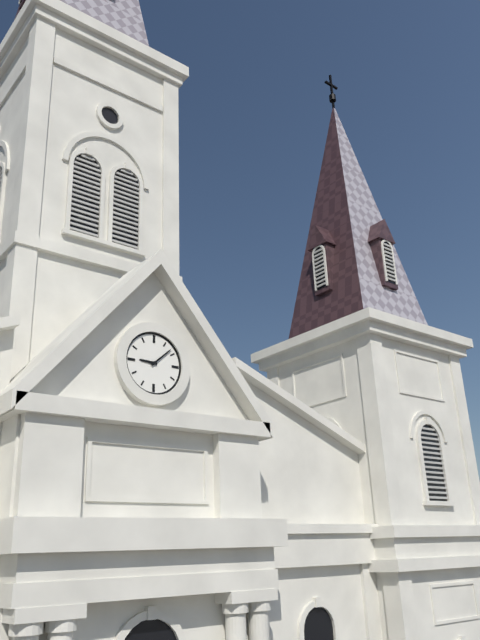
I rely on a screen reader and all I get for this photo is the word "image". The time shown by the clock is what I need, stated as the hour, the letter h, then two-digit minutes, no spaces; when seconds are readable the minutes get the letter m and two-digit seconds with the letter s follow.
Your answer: 9h08
